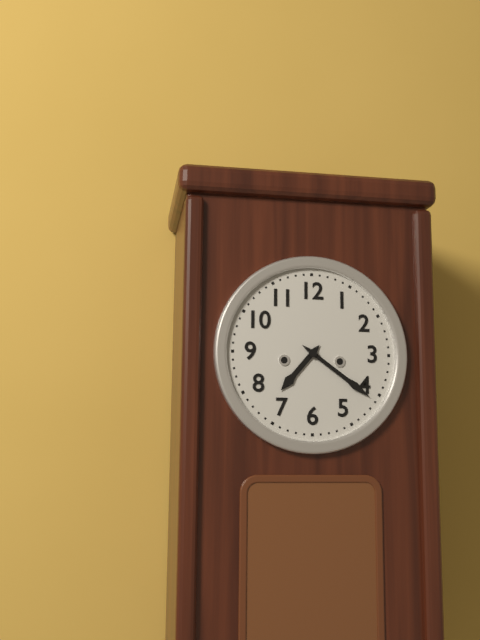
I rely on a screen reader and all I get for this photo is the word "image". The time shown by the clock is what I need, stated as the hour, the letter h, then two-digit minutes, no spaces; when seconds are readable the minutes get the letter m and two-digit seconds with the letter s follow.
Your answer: 7h21
